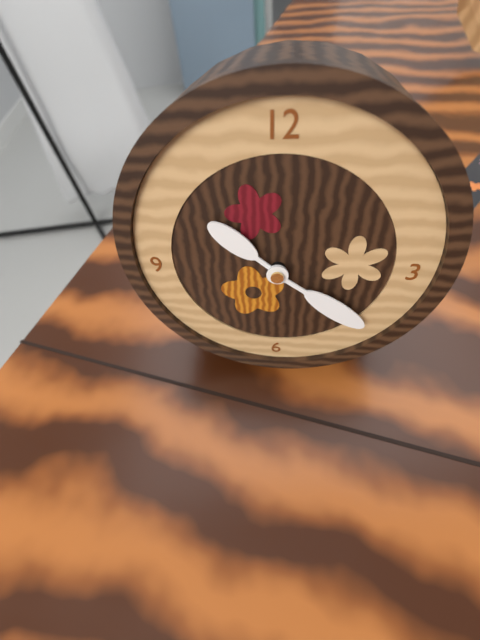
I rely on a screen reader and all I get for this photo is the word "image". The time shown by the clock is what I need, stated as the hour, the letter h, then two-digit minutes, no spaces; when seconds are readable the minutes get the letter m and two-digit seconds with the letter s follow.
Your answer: 10h21
